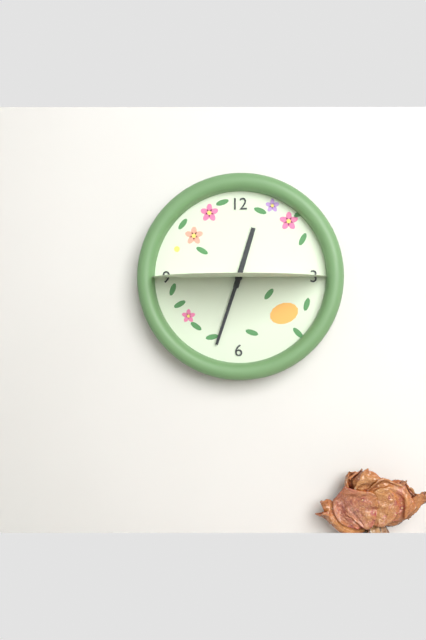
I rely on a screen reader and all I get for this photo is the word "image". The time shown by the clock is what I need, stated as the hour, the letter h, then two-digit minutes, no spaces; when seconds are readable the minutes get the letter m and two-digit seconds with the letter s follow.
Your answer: 12h33
